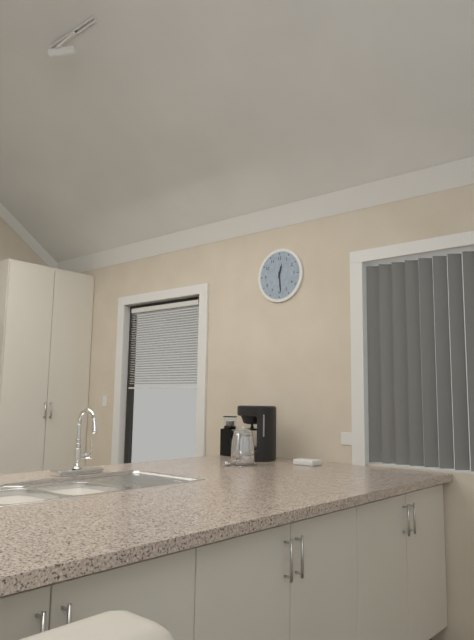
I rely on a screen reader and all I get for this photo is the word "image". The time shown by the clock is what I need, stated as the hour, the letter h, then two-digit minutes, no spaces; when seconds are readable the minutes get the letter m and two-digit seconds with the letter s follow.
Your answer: 12h29
